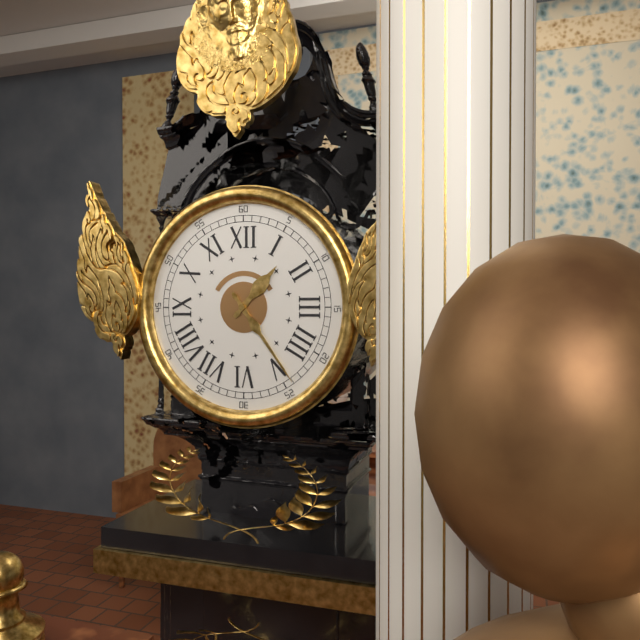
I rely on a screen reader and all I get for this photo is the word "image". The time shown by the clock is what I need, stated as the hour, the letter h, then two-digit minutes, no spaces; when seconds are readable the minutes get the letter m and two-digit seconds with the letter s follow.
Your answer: 1h24
